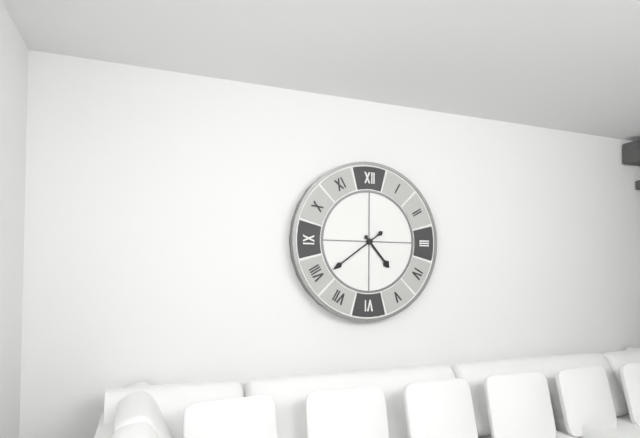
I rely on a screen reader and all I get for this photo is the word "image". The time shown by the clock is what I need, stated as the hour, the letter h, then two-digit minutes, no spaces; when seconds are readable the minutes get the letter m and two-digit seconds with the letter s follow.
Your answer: 4h39
